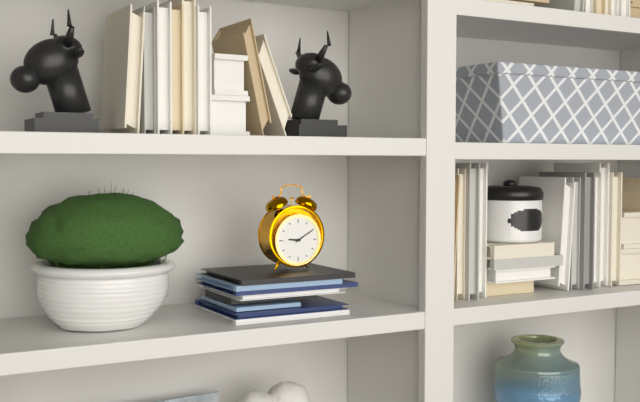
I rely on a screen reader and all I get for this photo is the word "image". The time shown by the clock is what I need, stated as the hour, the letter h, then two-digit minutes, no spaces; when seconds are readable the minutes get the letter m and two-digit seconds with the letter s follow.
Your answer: 9h10
